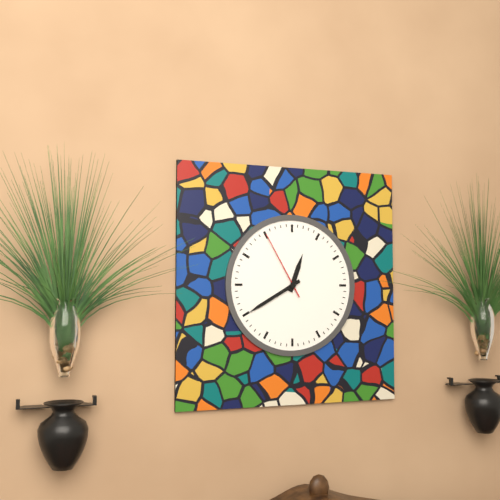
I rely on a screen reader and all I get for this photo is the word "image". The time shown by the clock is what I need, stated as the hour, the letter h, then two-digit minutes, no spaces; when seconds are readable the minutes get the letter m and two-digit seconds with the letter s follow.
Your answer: 12h40m55s
